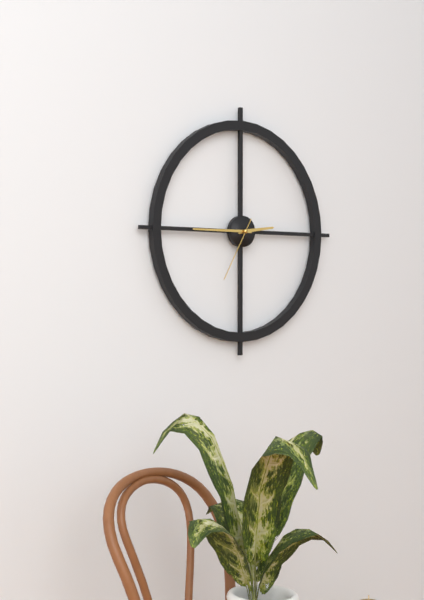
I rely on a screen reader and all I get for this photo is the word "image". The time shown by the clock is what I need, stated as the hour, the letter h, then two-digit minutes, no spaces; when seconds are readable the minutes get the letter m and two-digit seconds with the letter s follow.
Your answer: 2h45m35s
